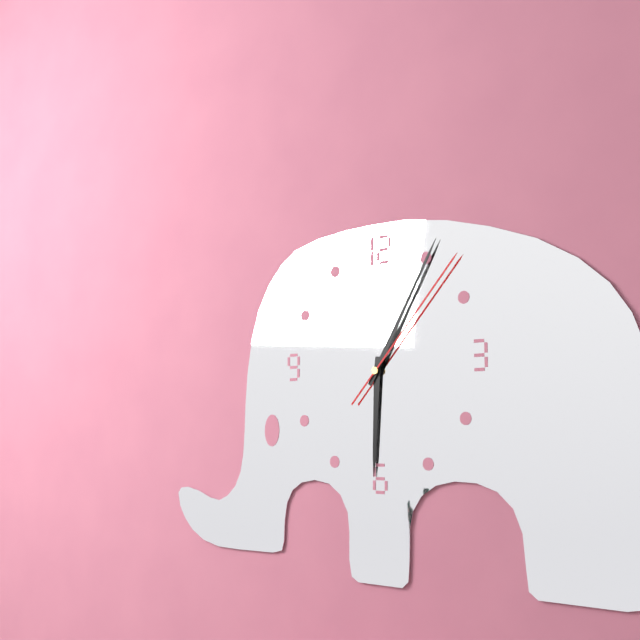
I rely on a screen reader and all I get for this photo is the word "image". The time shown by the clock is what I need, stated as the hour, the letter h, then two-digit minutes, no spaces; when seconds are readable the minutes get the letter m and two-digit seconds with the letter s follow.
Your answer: 6h05m07s
